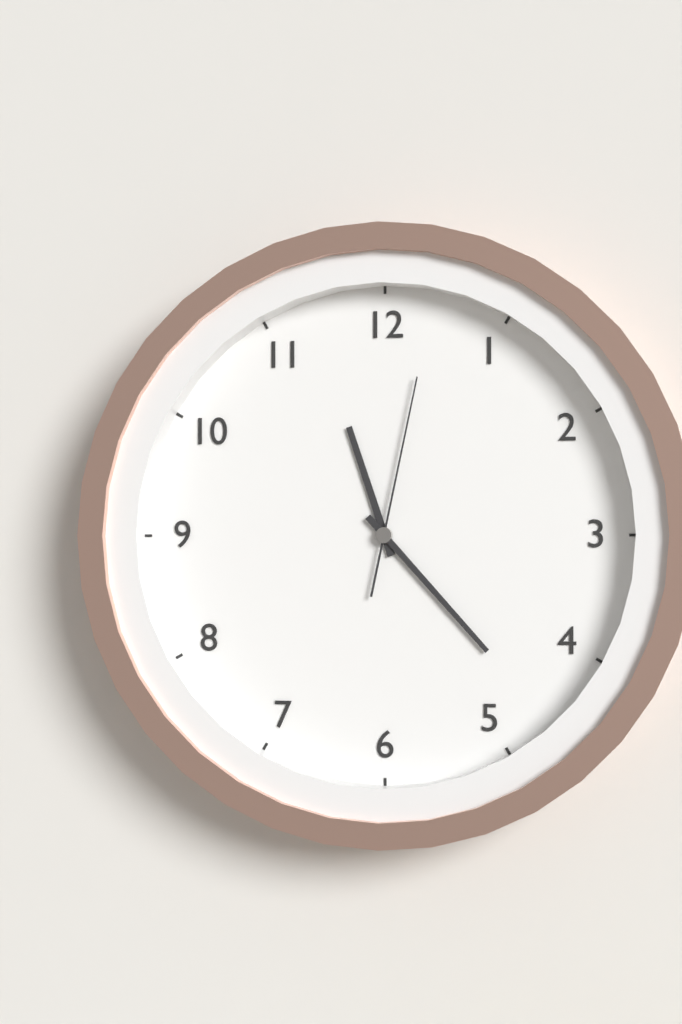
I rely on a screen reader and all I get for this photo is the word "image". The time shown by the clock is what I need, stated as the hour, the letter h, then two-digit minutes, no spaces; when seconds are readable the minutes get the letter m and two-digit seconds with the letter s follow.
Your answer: 11h23m02s
